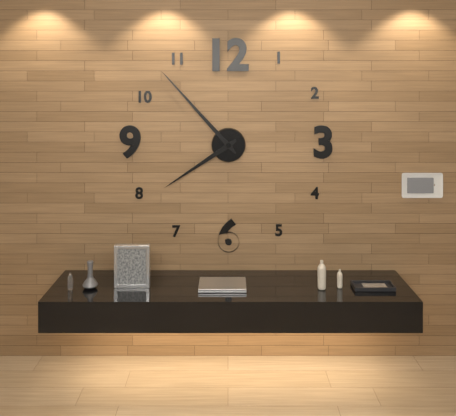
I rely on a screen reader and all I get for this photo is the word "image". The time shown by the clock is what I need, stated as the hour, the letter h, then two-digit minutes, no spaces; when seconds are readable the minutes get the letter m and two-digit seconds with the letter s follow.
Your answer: 7h53
